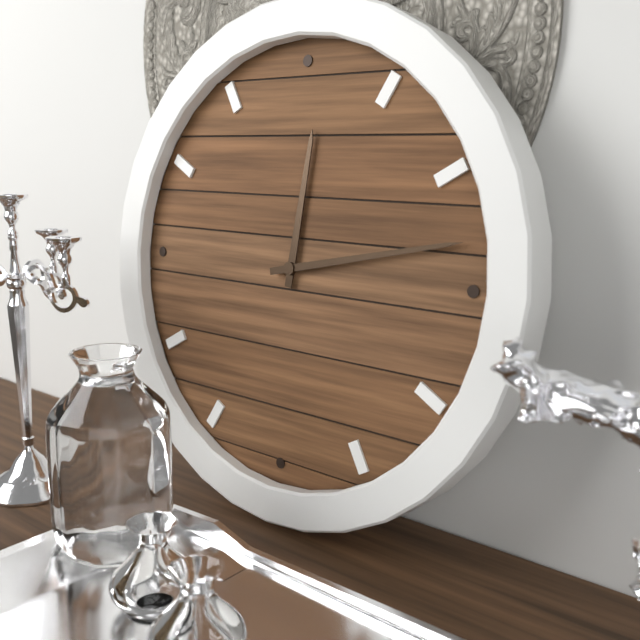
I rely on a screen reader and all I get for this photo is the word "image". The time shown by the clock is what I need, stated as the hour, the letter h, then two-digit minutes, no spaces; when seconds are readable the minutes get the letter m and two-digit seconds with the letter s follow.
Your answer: 12h13
